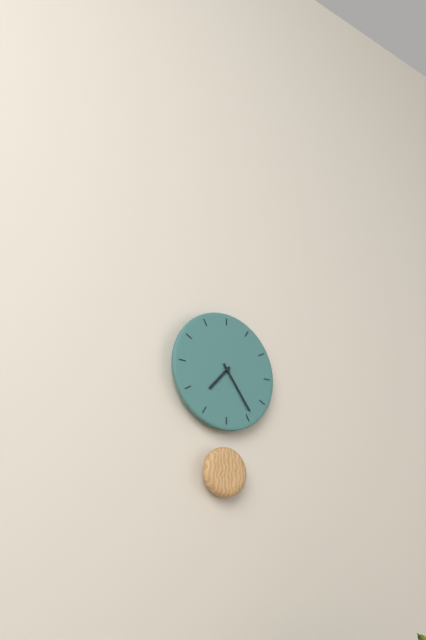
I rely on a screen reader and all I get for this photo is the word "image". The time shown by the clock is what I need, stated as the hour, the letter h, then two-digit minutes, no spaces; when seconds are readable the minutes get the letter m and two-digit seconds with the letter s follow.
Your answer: 7h24
